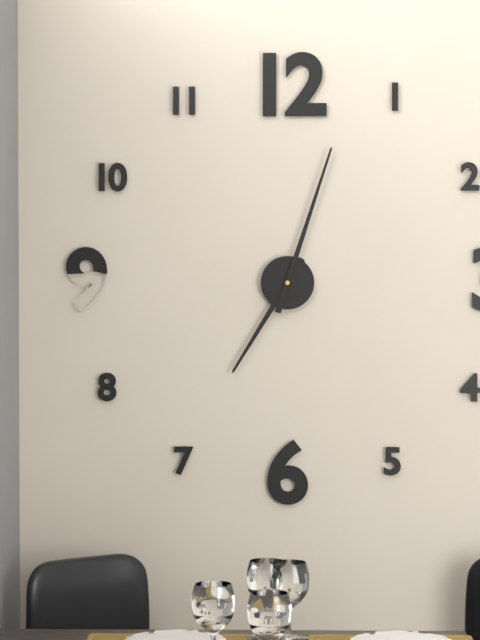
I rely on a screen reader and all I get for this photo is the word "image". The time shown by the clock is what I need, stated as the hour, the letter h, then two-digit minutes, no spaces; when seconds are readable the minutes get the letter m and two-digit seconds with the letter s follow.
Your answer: 7h03
